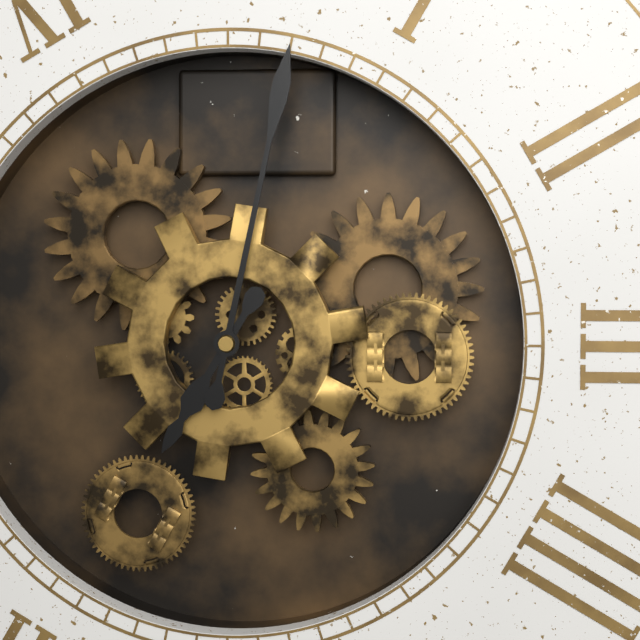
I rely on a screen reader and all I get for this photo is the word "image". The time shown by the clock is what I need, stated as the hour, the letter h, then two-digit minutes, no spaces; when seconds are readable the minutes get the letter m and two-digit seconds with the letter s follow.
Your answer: 7h02
